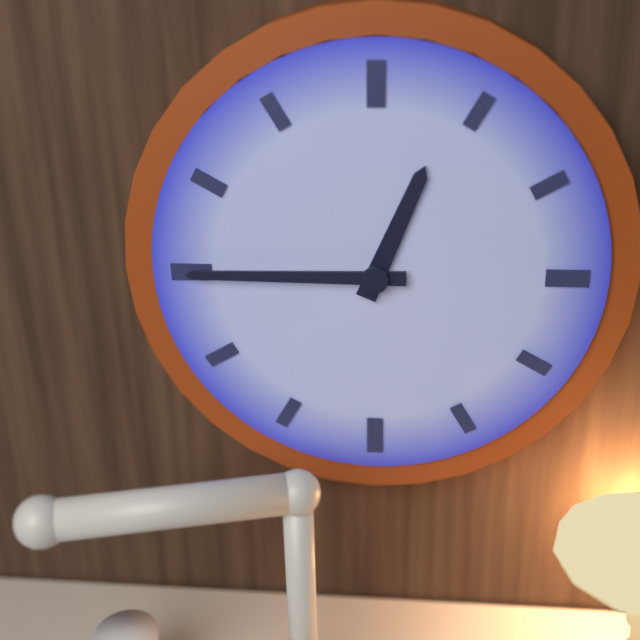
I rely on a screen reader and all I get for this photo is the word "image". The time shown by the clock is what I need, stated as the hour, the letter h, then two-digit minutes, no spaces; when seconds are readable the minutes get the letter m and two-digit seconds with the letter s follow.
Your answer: 12h45
